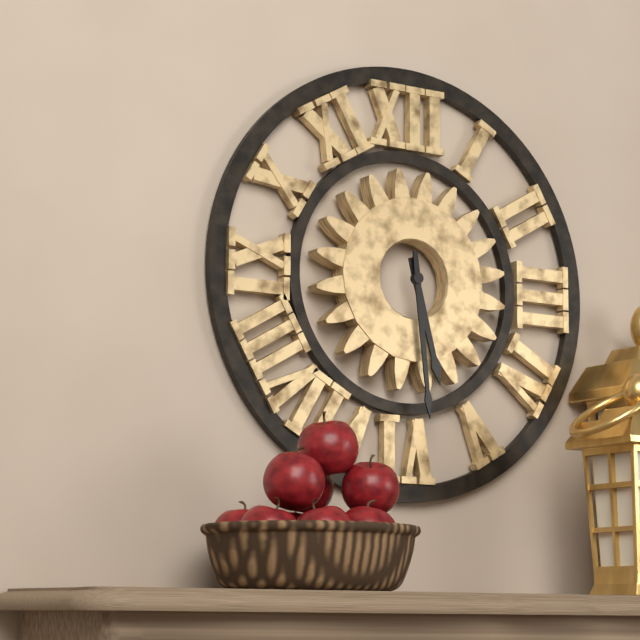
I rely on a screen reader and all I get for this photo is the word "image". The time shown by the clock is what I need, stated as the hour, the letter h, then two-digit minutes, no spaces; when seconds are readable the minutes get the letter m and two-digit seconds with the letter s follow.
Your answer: 5h29
